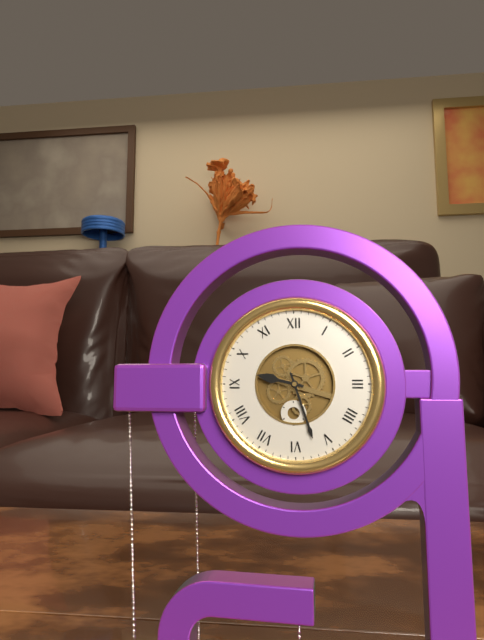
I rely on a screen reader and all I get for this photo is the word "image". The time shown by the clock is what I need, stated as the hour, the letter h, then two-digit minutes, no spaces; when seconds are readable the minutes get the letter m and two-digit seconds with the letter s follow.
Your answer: 9h27
